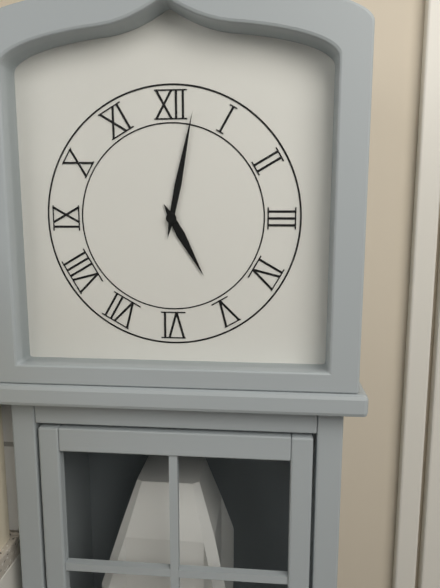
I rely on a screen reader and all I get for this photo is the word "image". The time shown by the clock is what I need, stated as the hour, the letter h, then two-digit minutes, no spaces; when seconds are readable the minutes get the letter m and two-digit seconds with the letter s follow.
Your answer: 5h02
